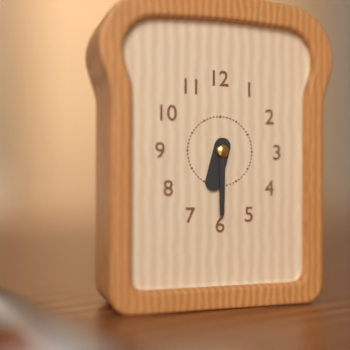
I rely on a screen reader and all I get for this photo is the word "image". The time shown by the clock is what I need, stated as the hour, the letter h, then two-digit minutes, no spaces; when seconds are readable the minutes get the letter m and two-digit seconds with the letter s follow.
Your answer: 6h30
